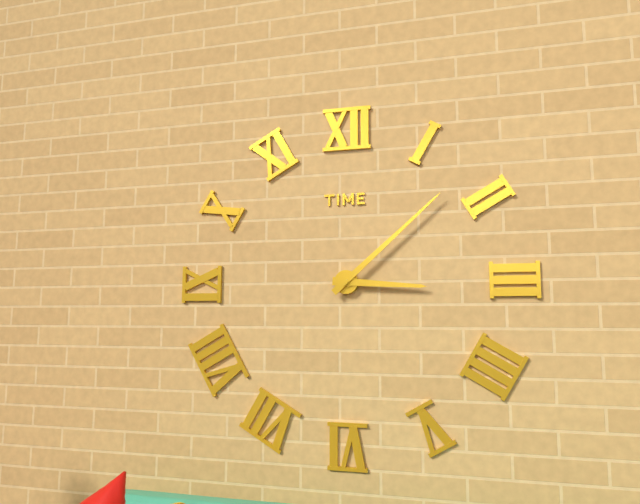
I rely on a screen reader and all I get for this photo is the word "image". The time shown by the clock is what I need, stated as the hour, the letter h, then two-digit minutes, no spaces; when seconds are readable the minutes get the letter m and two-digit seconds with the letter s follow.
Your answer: 3h08
